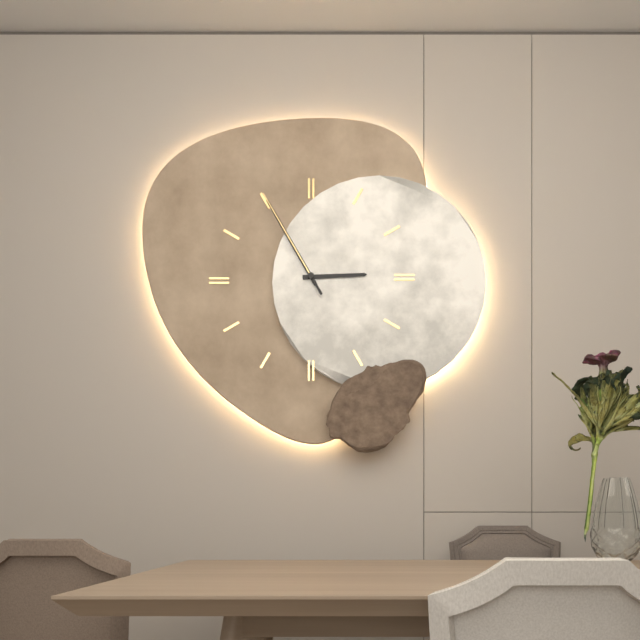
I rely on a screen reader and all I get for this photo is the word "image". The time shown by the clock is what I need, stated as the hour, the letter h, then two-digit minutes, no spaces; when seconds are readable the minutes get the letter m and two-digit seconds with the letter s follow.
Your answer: 2h55m55s
